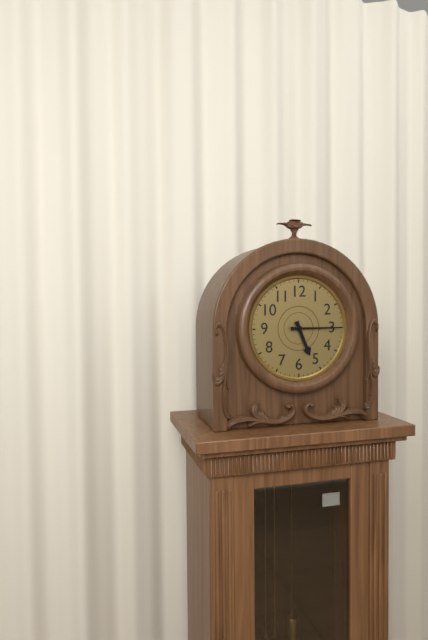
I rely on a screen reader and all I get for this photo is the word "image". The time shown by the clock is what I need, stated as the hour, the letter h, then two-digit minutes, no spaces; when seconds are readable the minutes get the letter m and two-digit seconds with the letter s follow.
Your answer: 5h15
